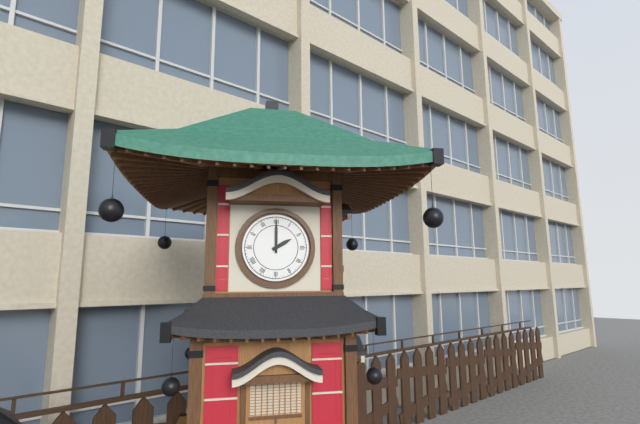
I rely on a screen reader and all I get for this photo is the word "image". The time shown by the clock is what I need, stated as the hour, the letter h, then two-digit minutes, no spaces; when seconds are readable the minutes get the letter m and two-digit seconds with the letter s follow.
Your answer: 2h00
